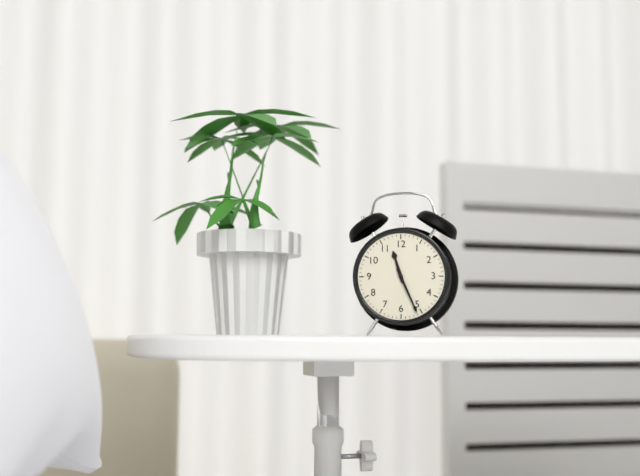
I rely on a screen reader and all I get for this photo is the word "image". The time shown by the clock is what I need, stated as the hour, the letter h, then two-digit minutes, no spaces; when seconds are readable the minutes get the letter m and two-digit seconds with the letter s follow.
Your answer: 11h26
